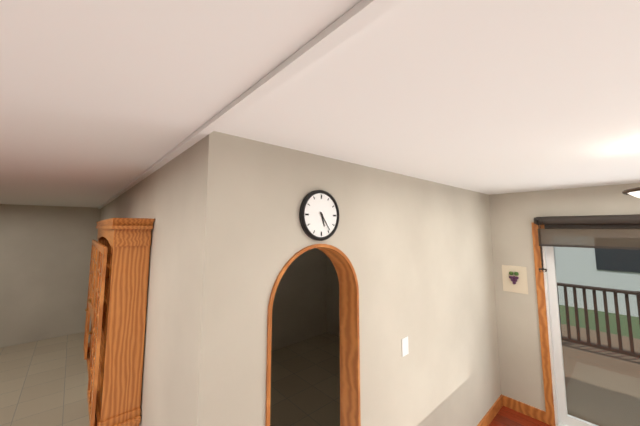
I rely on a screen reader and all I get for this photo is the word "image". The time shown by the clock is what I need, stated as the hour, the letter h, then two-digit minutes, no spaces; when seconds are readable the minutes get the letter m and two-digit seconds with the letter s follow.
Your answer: 5h24
